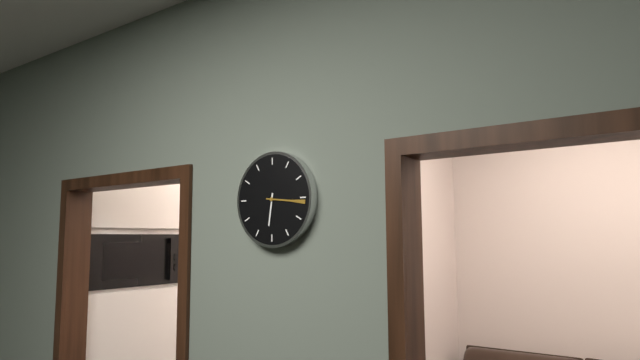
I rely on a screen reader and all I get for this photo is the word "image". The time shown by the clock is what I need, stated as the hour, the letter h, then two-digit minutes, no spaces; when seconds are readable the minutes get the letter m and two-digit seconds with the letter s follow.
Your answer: 6h16
